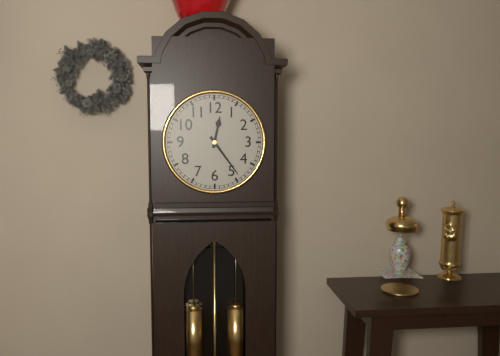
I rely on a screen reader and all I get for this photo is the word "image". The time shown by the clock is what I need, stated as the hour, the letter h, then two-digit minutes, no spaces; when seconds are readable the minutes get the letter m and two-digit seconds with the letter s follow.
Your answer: 12h24
